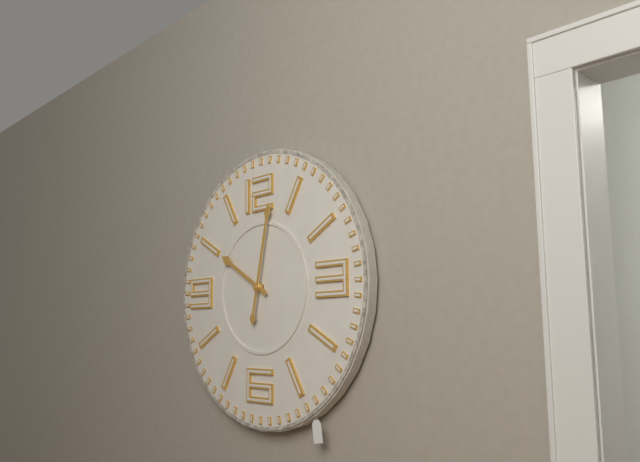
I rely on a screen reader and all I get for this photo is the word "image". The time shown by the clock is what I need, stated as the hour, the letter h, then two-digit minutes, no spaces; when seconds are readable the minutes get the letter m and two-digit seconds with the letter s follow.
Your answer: 10h02
